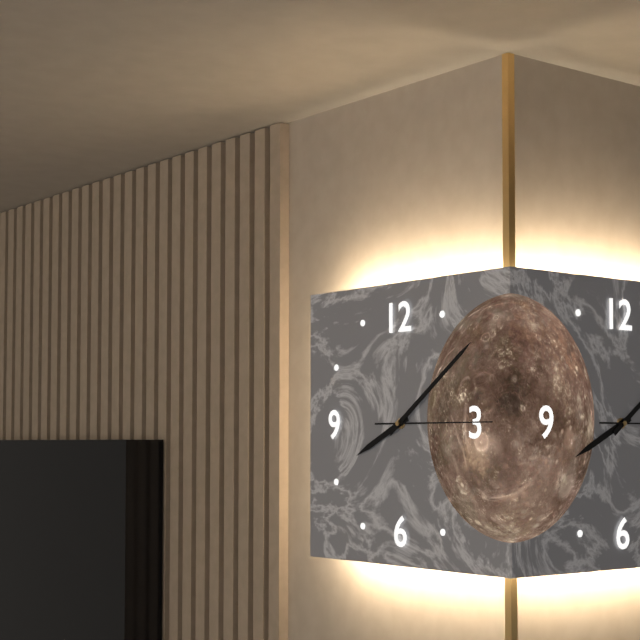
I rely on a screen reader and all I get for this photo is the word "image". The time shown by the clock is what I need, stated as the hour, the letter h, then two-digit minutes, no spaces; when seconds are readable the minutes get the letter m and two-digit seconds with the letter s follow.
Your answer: 8h09m15s
